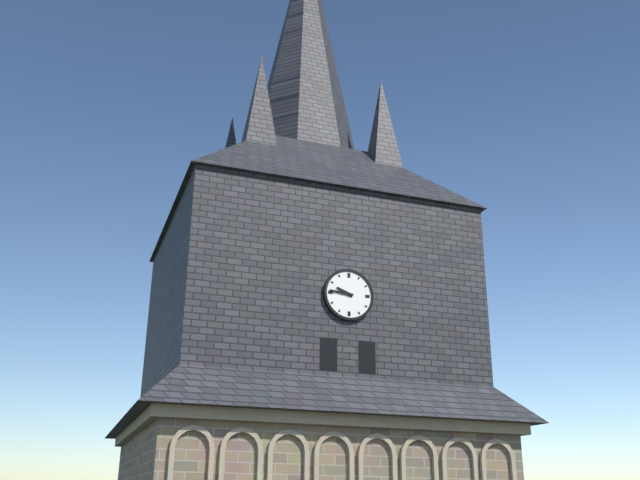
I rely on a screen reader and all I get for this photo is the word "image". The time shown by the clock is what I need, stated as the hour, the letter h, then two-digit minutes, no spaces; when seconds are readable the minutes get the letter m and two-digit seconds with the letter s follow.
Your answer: 9h46
